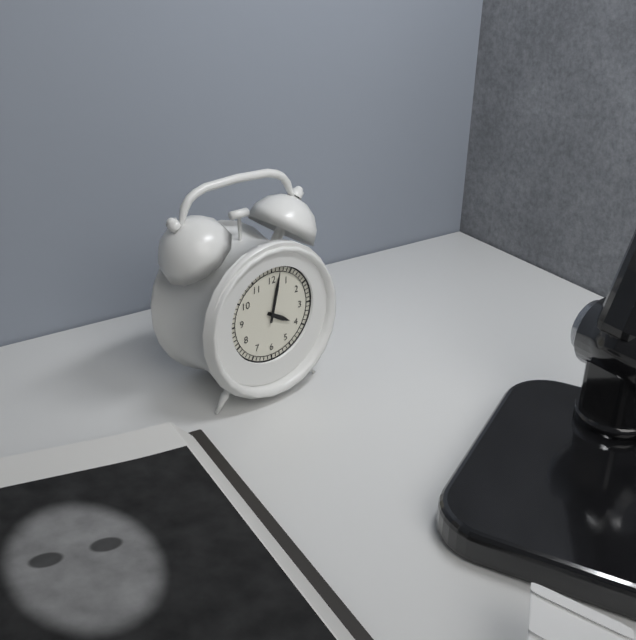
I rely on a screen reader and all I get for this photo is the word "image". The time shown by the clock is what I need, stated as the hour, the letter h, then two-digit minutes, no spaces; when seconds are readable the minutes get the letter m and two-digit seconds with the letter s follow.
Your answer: 4h02
